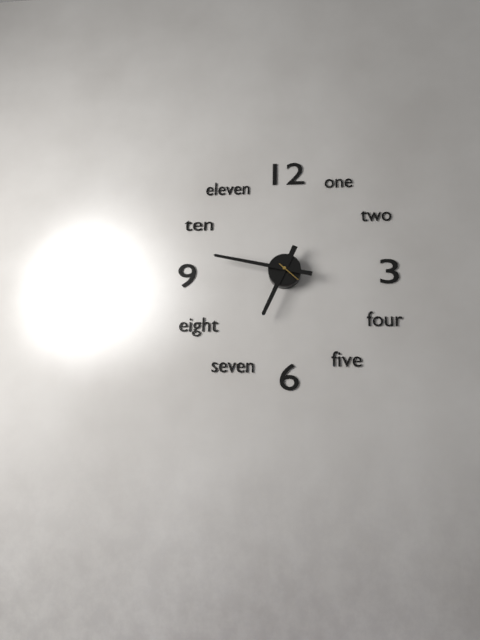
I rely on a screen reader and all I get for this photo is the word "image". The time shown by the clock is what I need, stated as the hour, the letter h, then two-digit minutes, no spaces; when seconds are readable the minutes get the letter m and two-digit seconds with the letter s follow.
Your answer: 6h47
